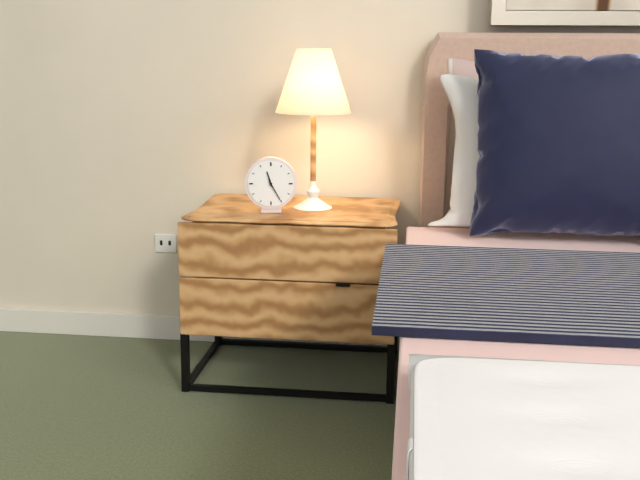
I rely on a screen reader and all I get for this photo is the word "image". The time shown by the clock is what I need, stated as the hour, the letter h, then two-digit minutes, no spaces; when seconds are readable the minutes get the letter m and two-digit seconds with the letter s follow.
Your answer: 11h25
